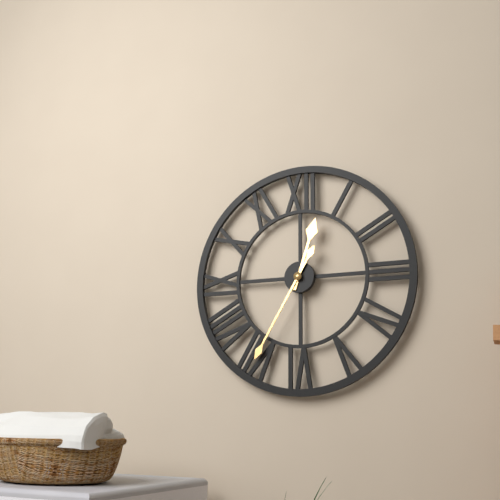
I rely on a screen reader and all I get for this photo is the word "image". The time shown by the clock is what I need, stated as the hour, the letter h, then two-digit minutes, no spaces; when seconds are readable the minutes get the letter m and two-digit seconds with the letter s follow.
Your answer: 12h35
